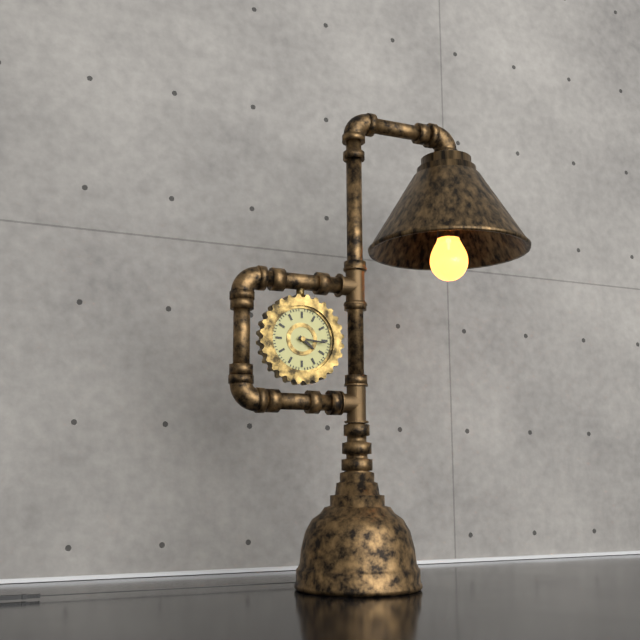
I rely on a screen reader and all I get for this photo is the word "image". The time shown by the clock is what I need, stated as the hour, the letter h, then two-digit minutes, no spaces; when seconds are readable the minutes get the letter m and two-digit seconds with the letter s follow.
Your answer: 4h16
